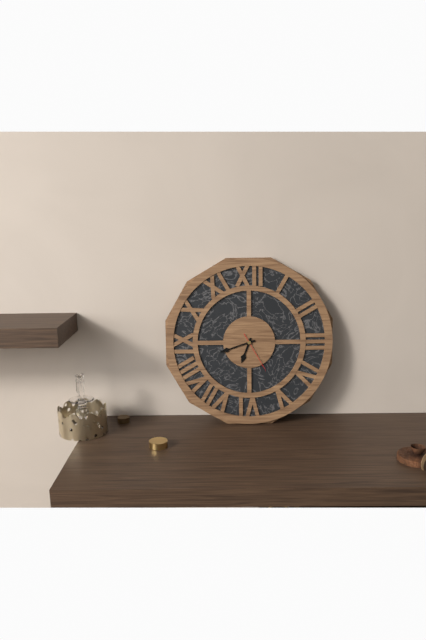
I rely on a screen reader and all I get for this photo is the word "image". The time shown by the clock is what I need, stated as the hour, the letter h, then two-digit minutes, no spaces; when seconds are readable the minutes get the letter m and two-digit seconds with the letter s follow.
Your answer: 6h42
